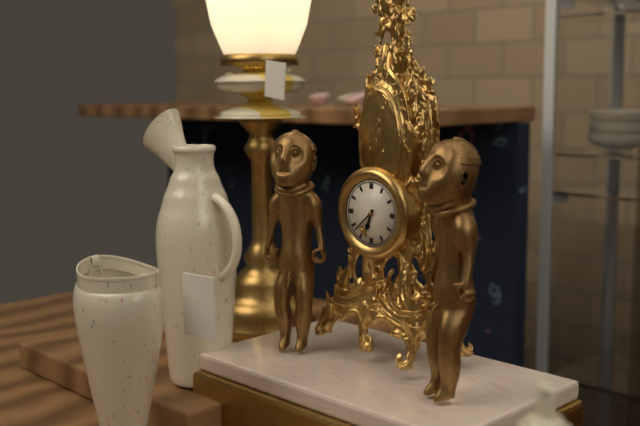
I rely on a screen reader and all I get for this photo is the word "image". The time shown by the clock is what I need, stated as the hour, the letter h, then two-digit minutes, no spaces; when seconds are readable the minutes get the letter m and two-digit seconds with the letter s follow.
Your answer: 6h38
